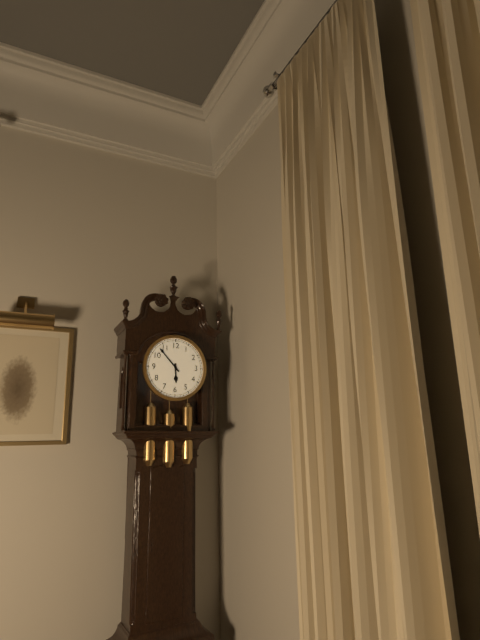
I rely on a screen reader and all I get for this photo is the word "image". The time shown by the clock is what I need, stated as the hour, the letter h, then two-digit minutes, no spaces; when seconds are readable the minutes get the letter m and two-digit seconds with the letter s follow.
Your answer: 5h53
